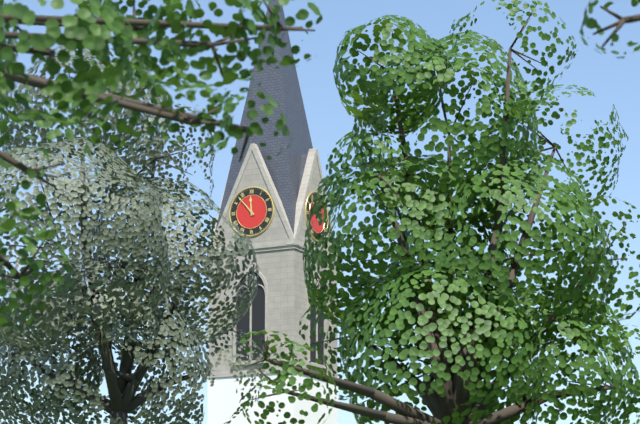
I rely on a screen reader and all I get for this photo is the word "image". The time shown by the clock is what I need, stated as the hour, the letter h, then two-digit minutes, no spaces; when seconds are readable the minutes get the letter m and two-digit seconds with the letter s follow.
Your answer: 11h53
